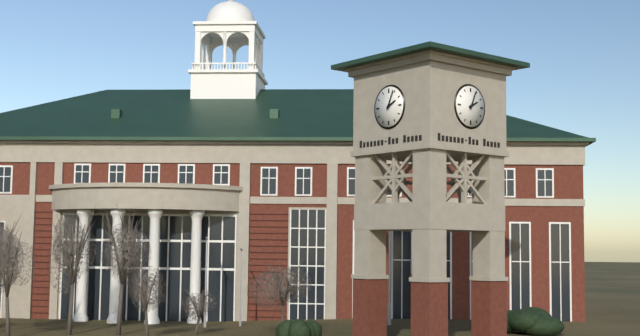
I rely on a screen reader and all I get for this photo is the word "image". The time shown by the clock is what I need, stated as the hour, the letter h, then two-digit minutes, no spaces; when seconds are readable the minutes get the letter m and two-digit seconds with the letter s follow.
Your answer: 2h04
